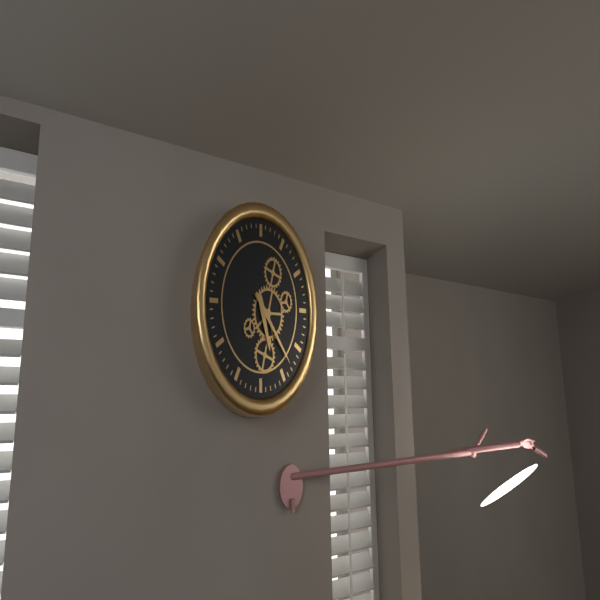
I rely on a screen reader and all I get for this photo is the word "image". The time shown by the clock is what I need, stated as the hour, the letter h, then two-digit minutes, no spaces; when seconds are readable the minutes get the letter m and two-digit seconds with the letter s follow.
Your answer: 5h23
